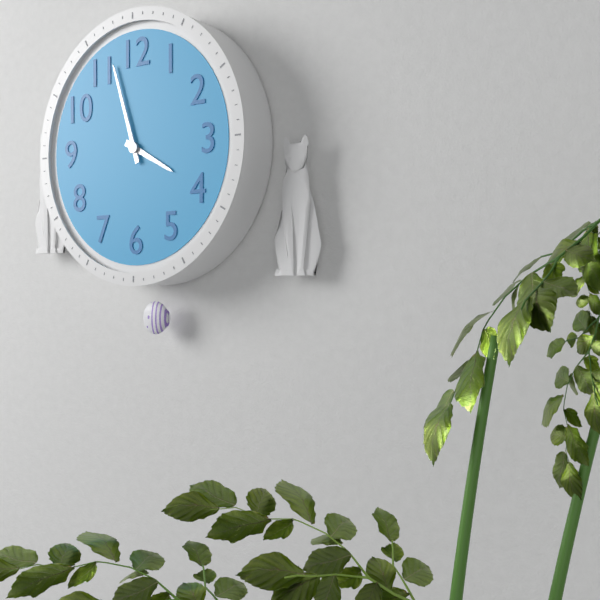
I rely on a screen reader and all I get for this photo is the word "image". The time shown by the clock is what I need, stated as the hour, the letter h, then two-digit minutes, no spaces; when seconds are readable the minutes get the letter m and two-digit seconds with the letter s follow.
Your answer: 3h57
